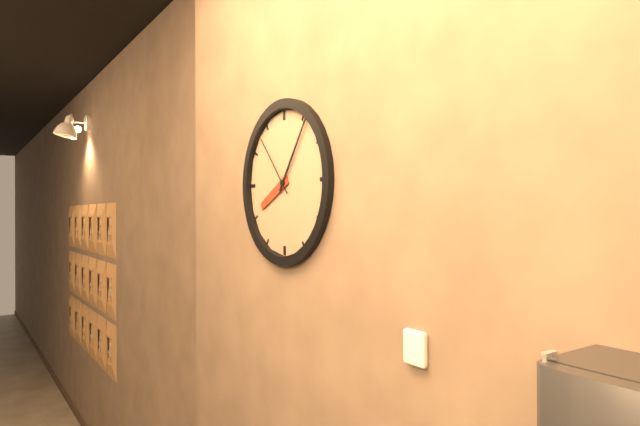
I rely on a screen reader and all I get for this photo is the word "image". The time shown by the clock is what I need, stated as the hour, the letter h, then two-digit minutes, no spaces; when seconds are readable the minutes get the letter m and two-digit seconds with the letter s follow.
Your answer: 8h06m53s
